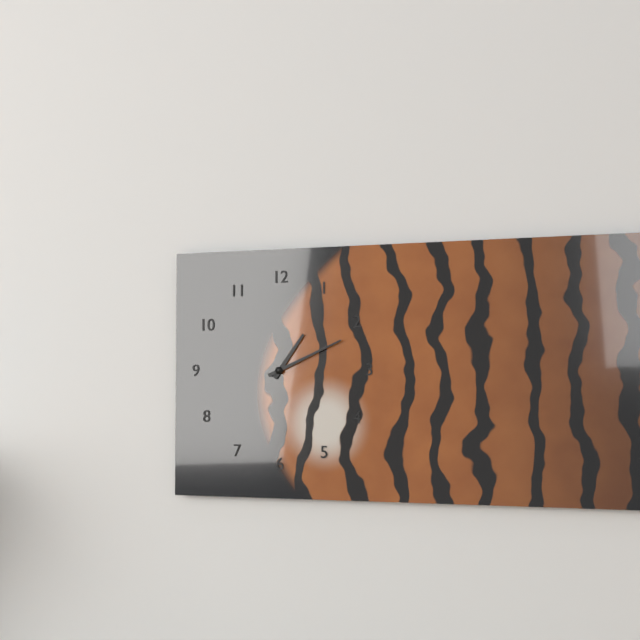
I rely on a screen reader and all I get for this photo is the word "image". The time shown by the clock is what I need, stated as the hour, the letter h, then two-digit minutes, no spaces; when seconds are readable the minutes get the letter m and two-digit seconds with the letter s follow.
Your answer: 1h11
